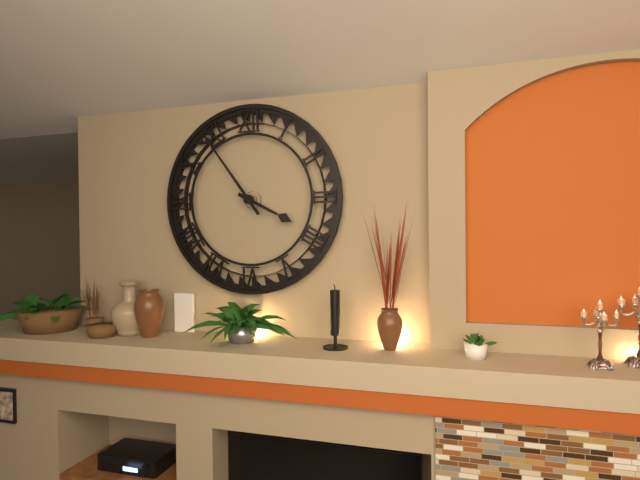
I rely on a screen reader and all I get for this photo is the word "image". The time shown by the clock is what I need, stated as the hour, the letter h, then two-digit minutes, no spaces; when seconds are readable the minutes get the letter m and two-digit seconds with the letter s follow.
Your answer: 3h54
